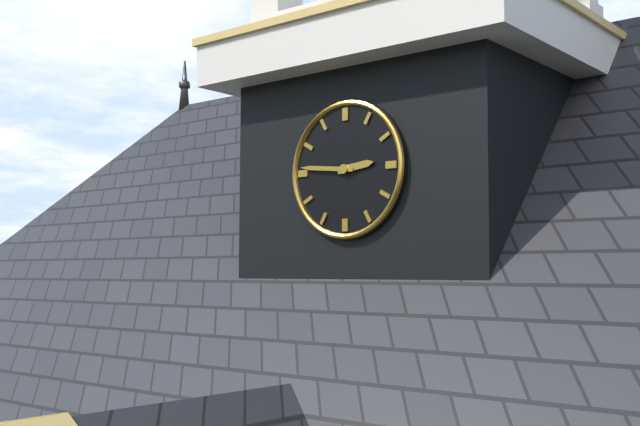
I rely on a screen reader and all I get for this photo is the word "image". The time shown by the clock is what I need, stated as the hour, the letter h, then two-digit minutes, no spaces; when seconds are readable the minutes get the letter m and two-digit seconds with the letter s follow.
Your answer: 2h46
